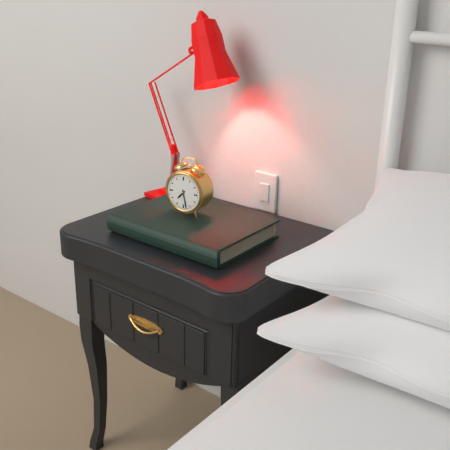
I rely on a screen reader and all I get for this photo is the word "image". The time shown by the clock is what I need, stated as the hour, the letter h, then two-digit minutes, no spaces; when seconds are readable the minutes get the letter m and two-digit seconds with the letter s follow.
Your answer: 7h28
